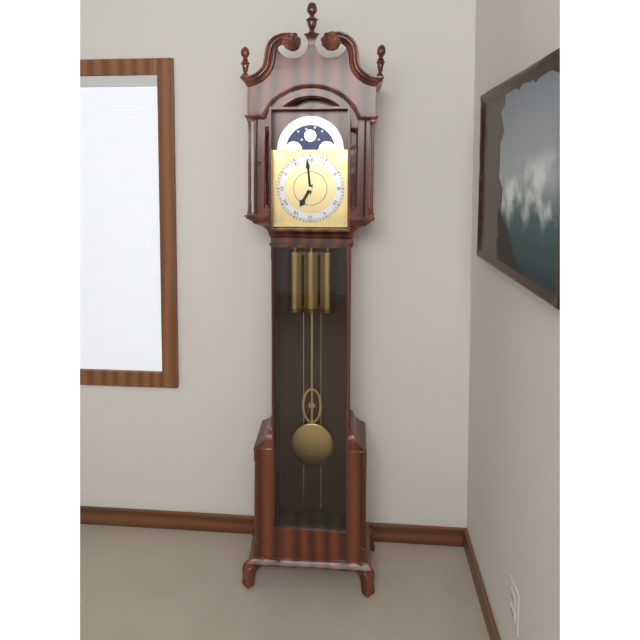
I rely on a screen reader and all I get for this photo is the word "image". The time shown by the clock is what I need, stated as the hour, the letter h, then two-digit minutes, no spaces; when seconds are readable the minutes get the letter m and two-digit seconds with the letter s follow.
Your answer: 6h59
